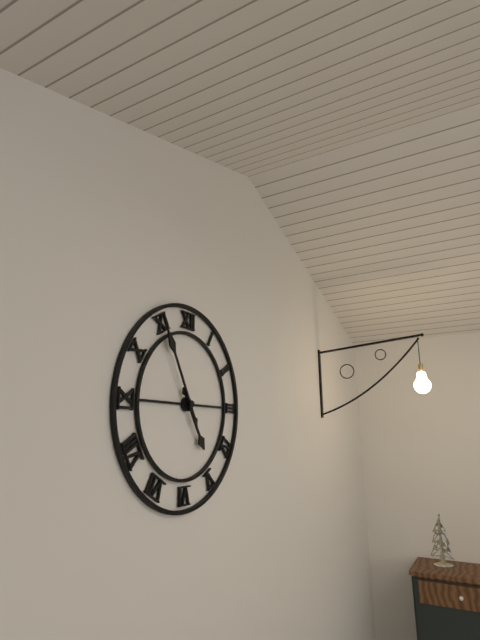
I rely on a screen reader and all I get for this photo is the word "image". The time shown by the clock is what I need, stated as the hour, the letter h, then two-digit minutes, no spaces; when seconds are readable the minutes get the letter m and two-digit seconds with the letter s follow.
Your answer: 4h55
